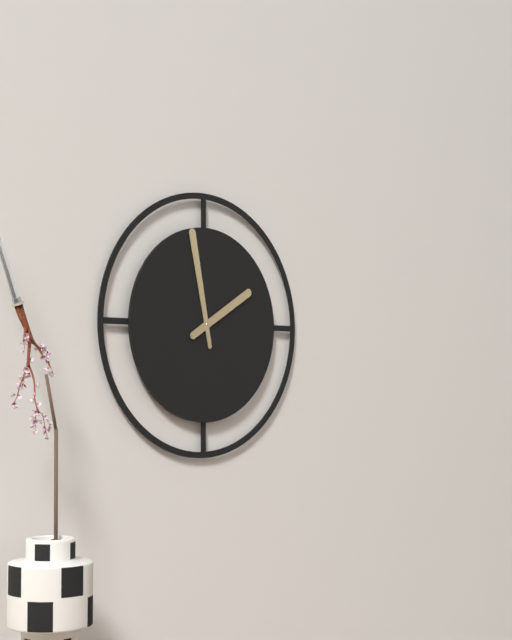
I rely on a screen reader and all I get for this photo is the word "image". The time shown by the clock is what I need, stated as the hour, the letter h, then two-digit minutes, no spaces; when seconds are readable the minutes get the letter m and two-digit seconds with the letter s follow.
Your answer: 1h58
